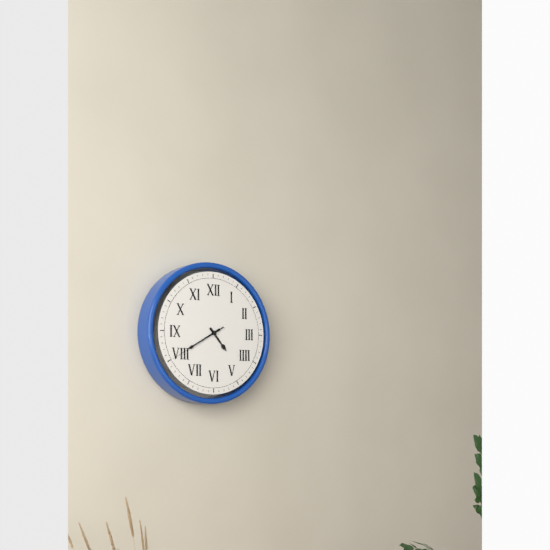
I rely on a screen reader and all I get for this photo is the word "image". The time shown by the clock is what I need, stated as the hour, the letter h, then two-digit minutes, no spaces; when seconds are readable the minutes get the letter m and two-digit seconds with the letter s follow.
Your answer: 4h40m40s
